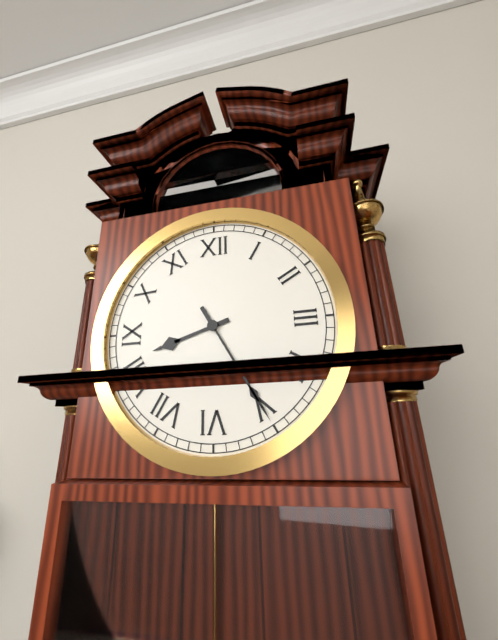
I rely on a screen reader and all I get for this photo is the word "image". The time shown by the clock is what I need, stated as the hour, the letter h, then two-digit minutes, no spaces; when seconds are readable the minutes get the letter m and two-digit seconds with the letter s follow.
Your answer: 8h25
